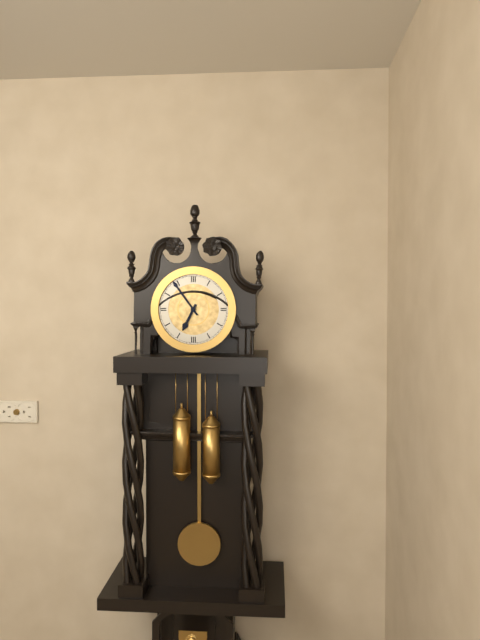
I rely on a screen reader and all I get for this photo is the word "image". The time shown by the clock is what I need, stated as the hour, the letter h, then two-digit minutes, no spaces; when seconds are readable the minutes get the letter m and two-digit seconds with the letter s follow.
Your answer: 6h54
